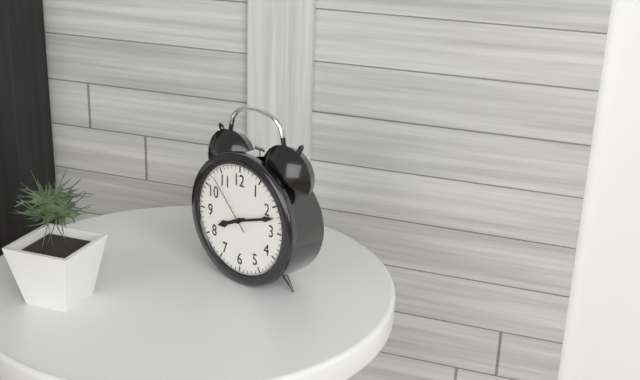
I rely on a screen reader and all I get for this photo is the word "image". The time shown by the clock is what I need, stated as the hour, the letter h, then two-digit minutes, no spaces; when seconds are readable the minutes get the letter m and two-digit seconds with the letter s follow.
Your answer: 8h12m53s
